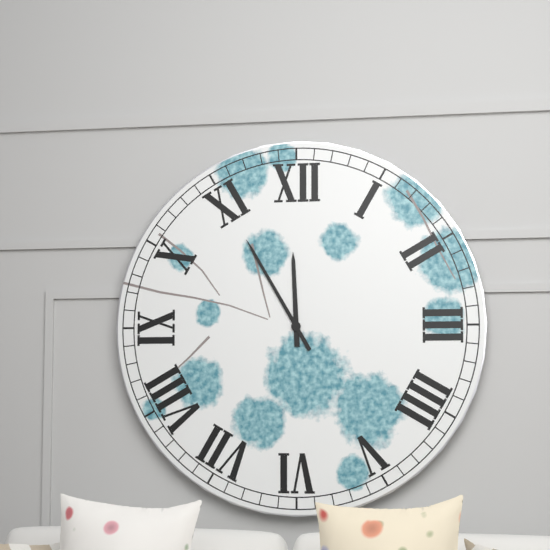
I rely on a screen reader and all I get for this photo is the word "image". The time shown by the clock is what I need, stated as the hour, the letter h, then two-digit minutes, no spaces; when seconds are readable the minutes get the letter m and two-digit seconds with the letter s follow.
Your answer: 11h55
